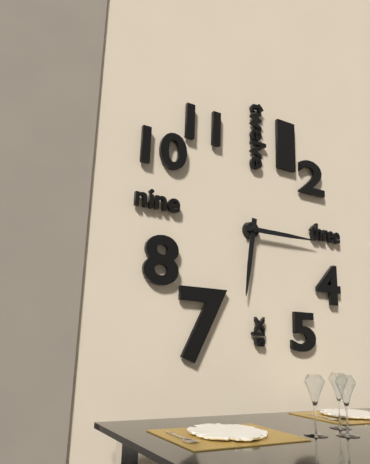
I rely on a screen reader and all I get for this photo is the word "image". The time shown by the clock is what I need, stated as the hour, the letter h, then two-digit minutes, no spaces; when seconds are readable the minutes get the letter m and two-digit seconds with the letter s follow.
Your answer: 6h15
